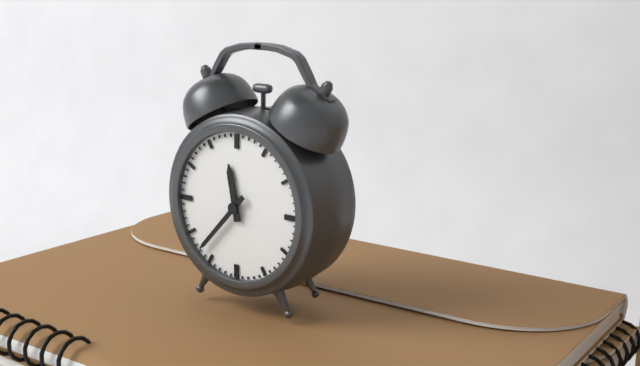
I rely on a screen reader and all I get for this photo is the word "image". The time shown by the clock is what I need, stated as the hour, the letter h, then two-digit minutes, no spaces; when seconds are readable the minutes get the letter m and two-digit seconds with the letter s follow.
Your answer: 11h37
